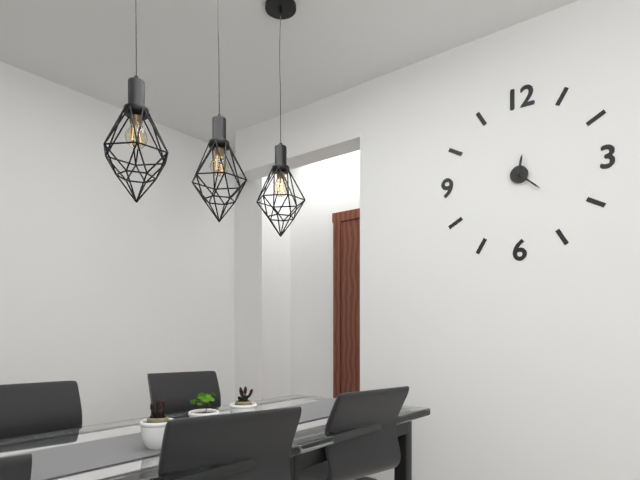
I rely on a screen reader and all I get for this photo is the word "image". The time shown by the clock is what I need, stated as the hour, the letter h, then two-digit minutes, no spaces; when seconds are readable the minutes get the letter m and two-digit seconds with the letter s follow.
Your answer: 12h22
